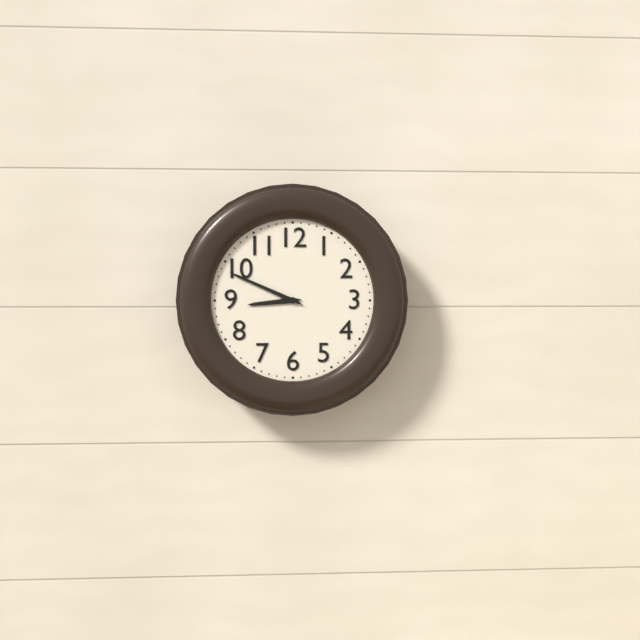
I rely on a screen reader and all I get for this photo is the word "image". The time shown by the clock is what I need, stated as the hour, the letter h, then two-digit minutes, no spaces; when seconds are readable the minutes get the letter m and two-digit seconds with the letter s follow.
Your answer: 8h49
